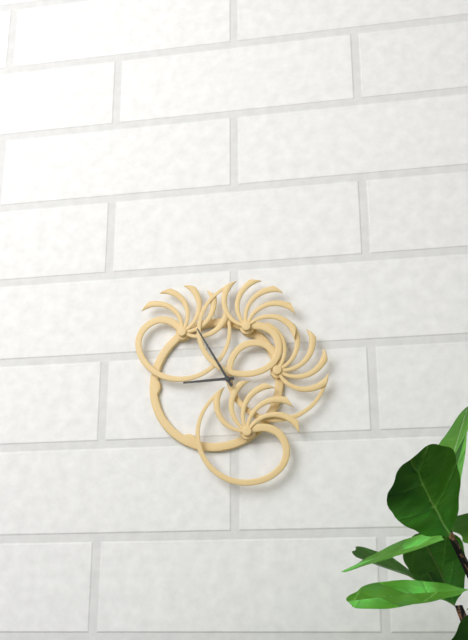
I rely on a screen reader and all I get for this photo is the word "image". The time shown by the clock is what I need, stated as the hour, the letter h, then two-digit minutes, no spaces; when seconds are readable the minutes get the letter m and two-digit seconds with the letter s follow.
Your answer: 8h55
